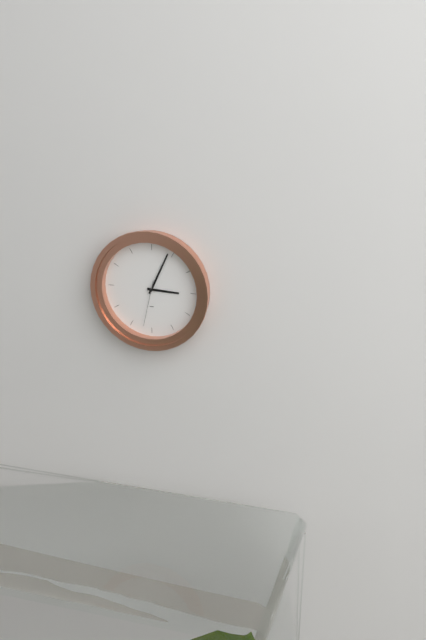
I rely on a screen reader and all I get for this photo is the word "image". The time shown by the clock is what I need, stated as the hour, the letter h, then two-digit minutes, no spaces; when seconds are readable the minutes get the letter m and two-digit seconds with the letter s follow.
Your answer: 3h04
